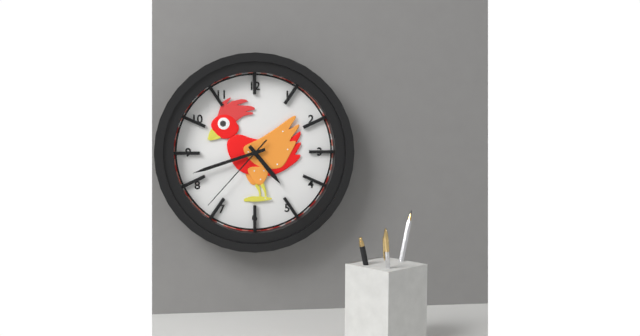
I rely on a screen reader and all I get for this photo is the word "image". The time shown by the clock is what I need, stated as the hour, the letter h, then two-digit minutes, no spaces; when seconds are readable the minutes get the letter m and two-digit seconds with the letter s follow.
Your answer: 4h42m37s
